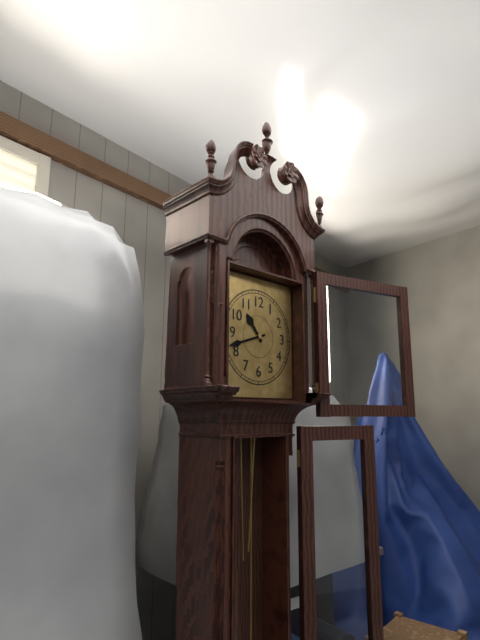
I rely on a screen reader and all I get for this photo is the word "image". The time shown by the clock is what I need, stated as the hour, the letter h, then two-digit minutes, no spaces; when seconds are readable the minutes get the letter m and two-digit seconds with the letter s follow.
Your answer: 10h42
